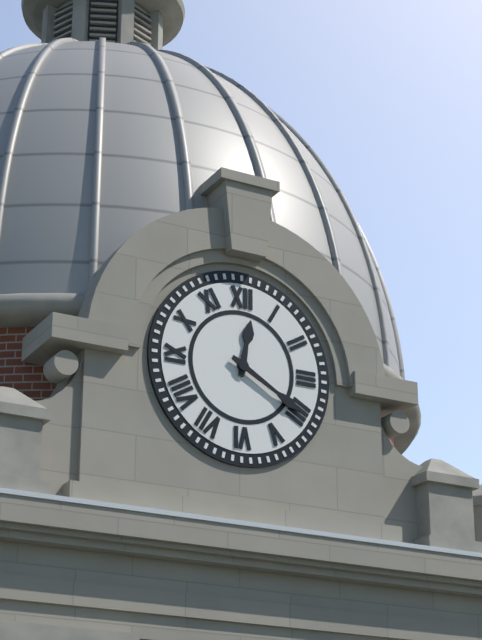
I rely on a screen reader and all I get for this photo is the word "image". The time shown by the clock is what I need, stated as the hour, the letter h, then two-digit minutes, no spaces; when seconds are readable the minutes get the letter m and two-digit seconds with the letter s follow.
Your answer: 12h20
